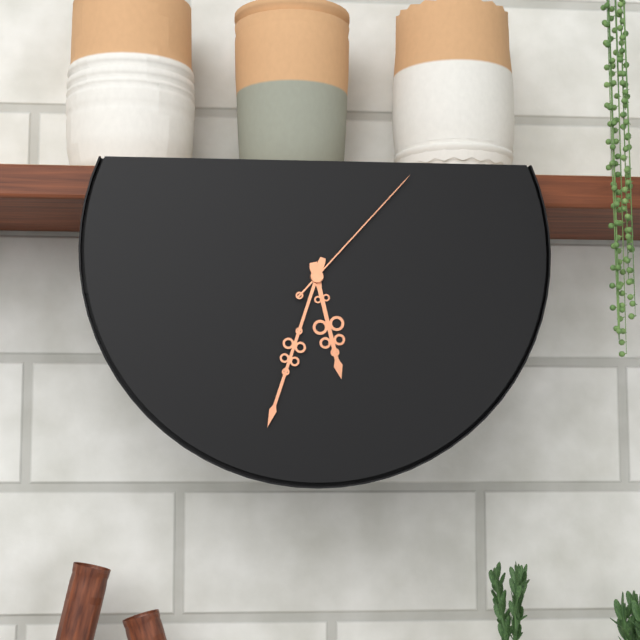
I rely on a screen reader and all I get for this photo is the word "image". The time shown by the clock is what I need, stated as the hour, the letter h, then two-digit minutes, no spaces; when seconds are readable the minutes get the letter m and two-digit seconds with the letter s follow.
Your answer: 5h33m07s
